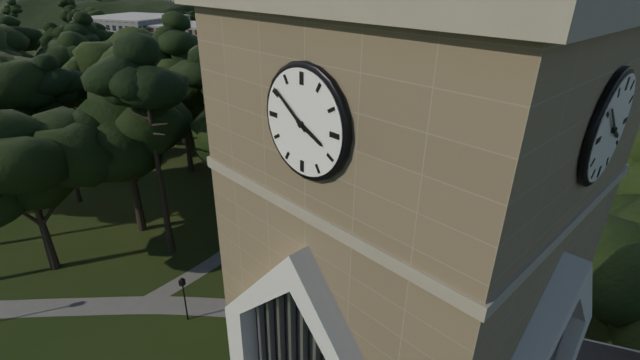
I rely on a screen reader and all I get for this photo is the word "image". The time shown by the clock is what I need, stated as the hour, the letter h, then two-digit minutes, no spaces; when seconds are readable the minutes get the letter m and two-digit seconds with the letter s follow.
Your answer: 3h51
